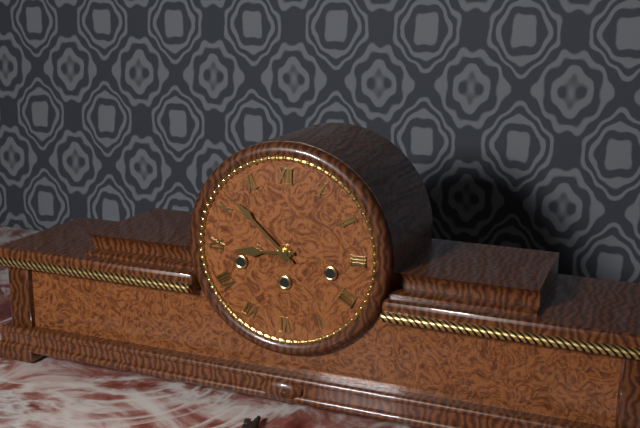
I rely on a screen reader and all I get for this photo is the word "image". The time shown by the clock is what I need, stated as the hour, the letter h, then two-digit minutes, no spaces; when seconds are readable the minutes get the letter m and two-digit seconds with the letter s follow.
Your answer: 8h52
